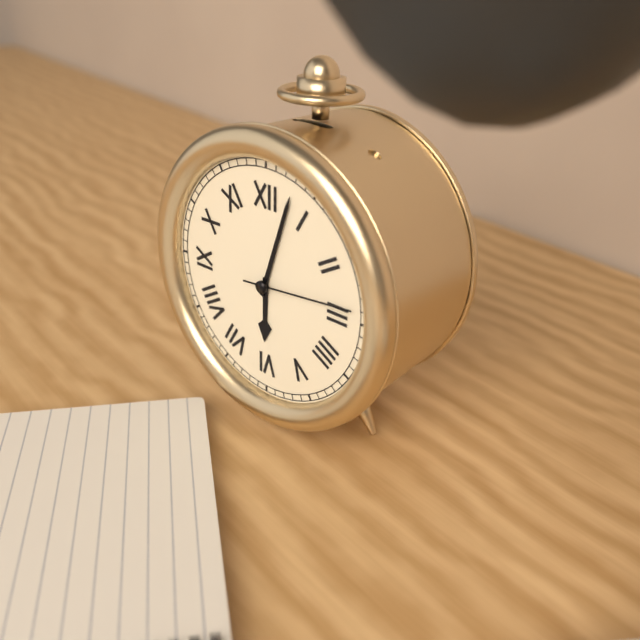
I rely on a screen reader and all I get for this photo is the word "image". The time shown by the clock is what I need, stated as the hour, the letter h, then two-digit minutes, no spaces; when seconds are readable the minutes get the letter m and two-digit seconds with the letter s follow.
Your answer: 6h03m14s
